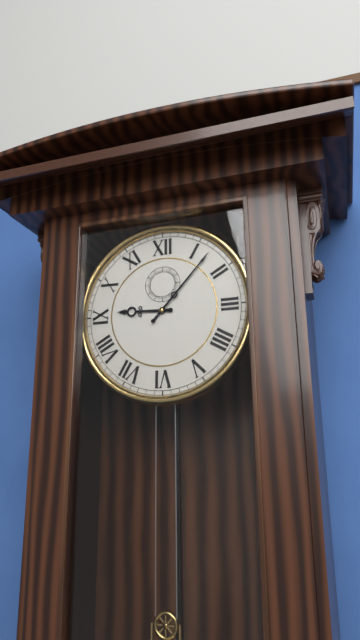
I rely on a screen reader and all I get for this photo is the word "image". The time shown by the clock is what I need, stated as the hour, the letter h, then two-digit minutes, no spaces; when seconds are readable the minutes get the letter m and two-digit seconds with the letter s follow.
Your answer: 9h07
